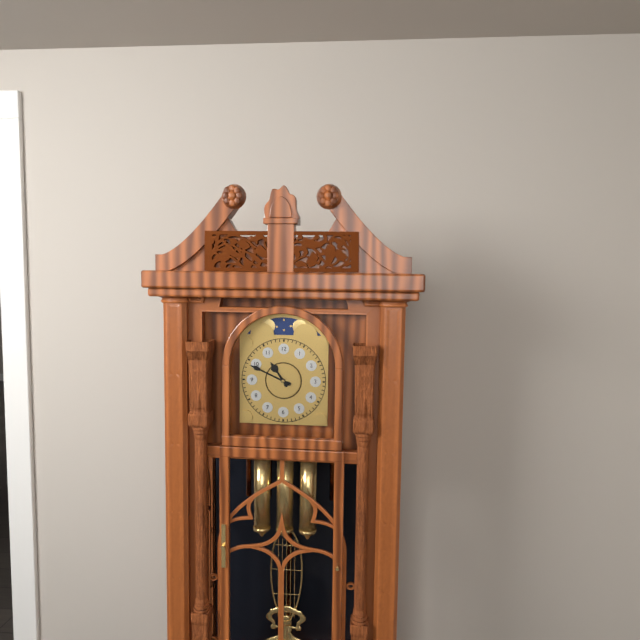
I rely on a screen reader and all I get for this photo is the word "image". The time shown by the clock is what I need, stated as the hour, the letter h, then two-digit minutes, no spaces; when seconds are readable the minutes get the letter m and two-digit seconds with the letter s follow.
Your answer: 10h49
